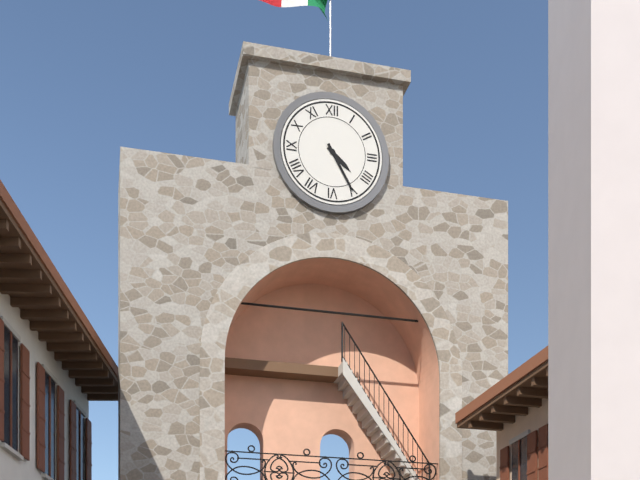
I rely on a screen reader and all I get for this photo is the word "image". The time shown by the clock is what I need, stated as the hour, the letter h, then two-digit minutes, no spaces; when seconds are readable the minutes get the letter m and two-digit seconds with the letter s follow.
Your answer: 4h25
